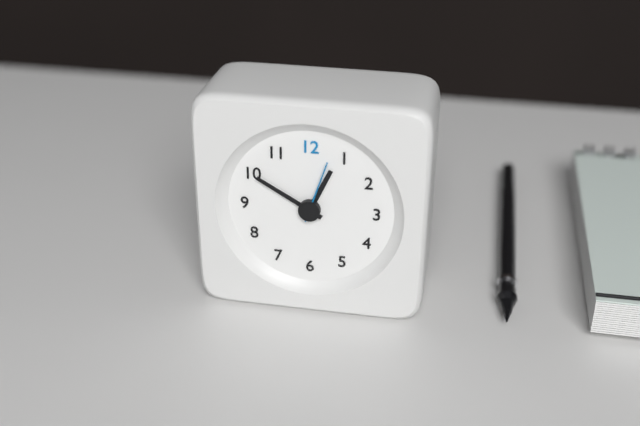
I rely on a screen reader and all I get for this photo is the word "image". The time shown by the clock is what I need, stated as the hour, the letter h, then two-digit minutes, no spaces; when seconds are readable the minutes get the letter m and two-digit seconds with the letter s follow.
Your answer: 12h50m03s
